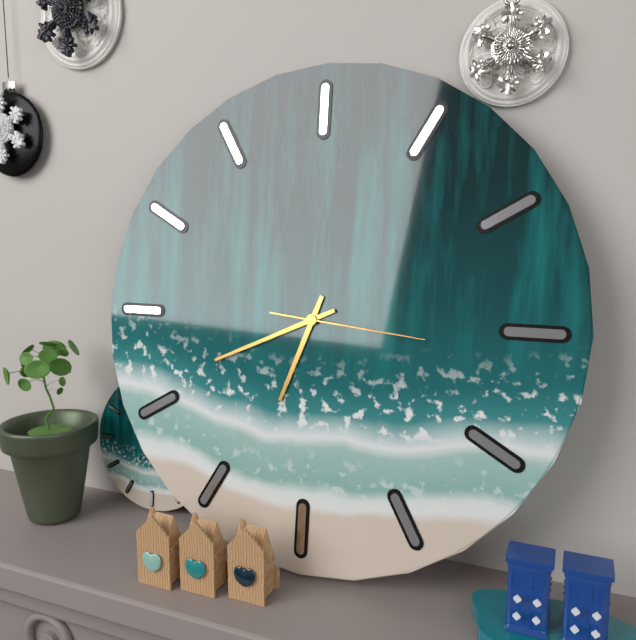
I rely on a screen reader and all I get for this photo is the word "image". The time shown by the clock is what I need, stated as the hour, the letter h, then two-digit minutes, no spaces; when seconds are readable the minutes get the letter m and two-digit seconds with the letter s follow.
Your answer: 6h41m16s
